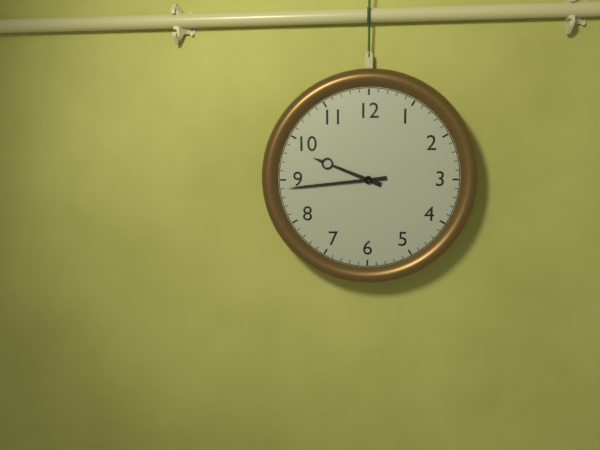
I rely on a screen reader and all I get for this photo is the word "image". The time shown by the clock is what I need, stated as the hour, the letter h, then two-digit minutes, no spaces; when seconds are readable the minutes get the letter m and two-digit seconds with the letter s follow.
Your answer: 9h44
